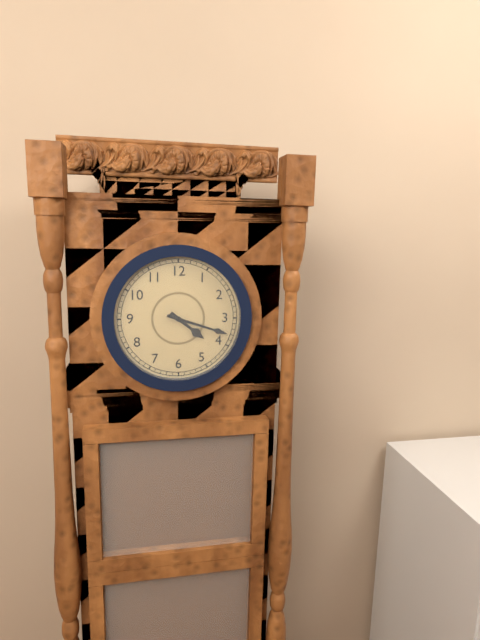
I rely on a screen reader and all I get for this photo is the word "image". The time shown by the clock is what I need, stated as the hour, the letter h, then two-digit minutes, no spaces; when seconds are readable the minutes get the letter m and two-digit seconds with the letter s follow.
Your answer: 4h18
